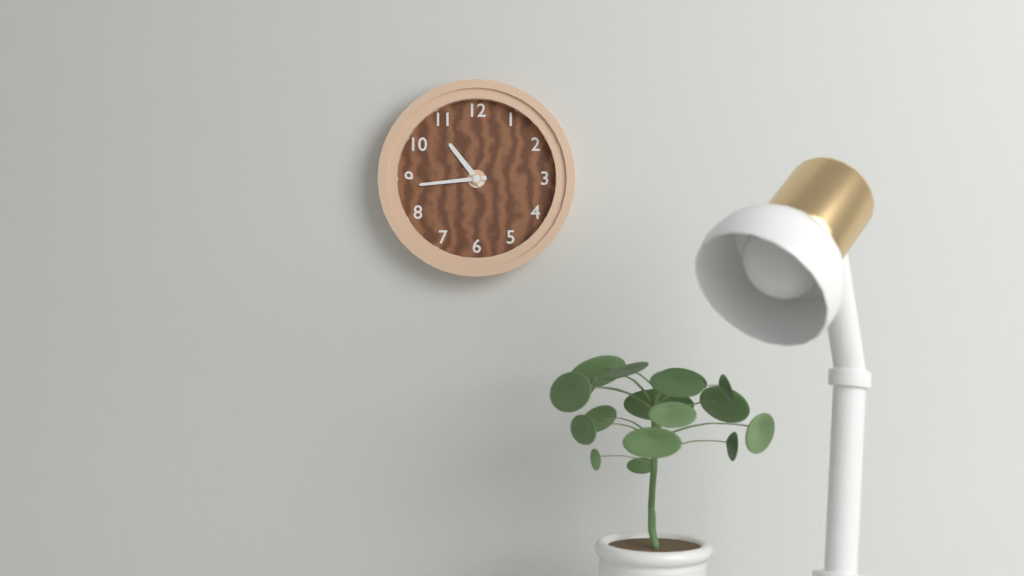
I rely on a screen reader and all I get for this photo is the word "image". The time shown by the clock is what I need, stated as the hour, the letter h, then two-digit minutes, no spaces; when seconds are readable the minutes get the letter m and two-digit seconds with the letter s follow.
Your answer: 10h44
